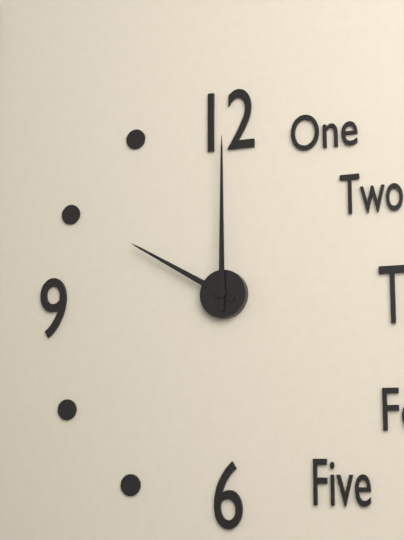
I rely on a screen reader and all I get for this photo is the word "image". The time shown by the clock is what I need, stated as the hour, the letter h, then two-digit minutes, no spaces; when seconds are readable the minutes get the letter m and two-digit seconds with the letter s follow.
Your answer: 10h00
